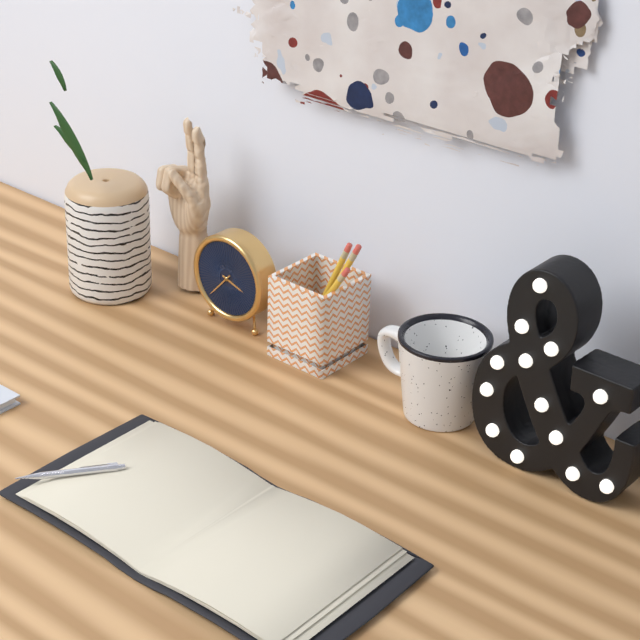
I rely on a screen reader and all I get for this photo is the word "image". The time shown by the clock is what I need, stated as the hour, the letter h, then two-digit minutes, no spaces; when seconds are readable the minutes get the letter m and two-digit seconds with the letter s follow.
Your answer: 3h37
